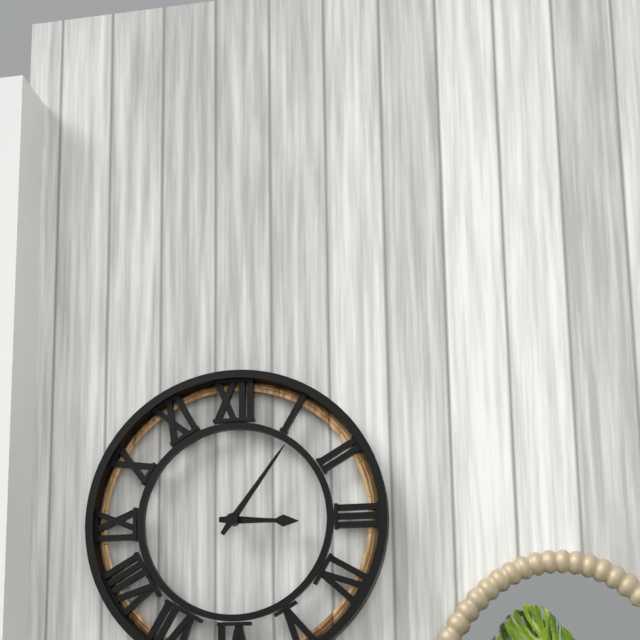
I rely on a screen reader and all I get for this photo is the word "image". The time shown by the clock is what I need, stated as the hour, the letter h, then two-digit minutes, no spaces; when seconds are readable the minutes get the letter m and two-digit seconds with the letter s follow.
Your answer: 3h06
